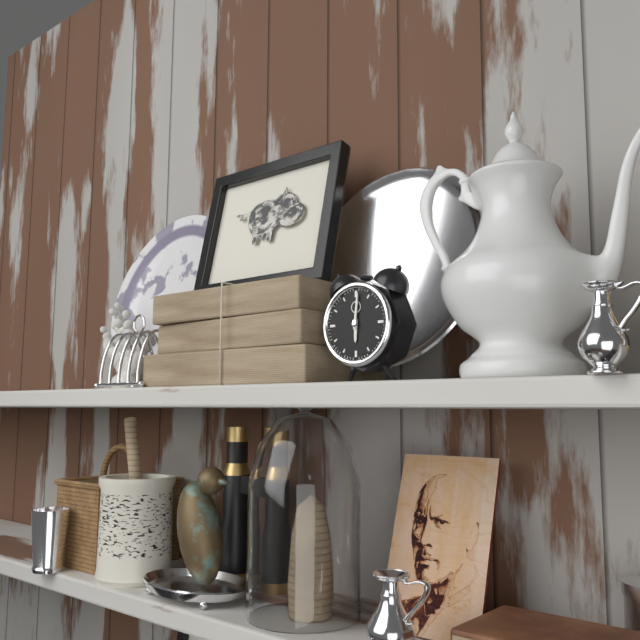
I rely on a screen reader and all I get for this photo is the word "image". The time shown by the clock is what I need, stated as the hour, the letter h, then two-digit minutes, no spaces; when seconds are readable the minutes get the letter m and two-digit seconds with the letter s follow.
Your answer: 6h01
